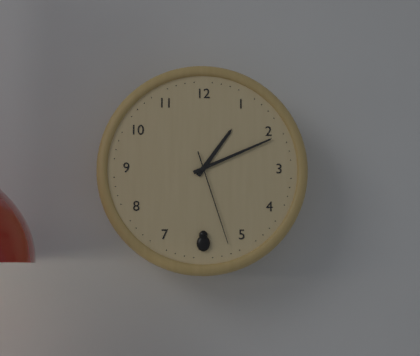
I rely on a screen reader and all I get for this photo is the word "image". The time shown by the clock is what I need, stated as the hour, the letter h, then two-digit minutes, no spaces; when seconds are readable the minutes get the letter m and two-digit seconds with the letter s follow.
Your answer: 1h11m27s
